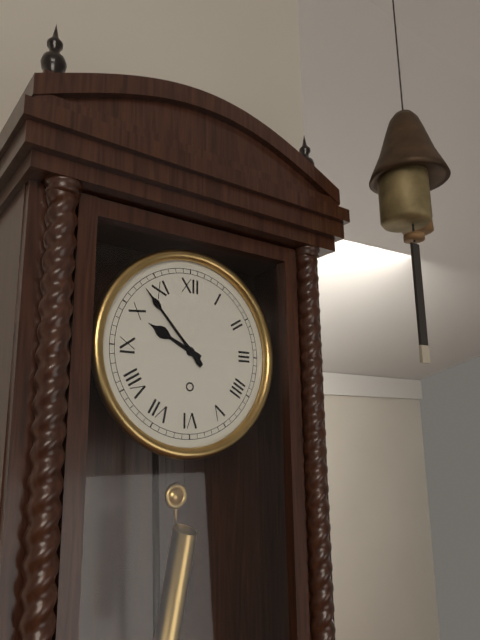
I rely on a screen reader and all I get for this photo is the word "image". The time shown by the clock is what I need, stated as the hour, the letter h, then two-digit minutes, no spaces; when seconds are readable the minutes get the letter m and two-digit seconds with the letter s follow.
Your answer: 9h53
